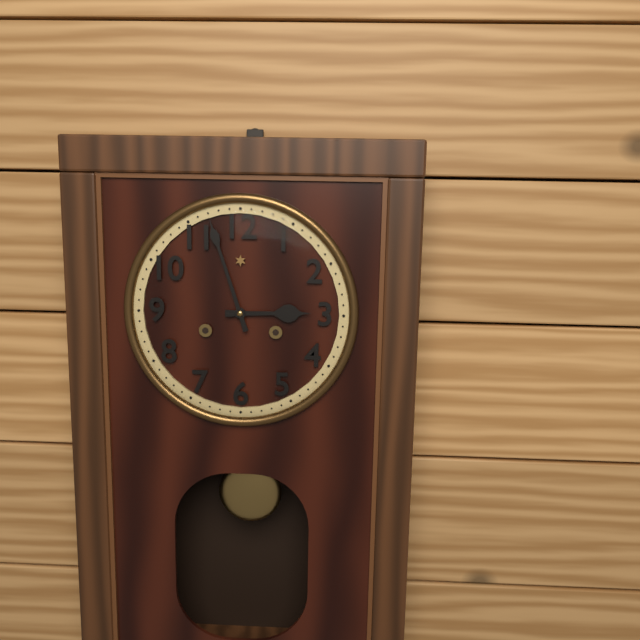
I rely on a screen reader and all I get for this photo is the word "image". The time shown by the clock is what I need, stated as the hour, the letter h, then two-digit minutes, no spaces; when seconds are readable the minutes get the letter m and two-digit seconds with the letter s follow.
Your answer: 2h57
